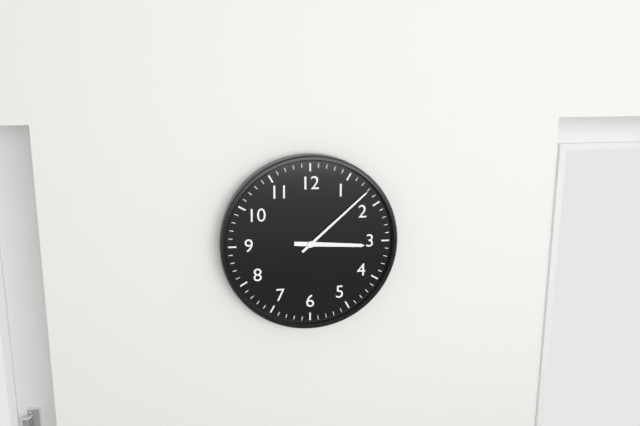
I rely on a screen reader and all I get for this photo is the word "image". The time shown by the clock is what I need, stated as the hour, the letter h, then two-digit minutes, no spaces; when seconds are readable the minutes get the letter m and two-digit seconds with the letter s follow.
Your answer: 3h08
